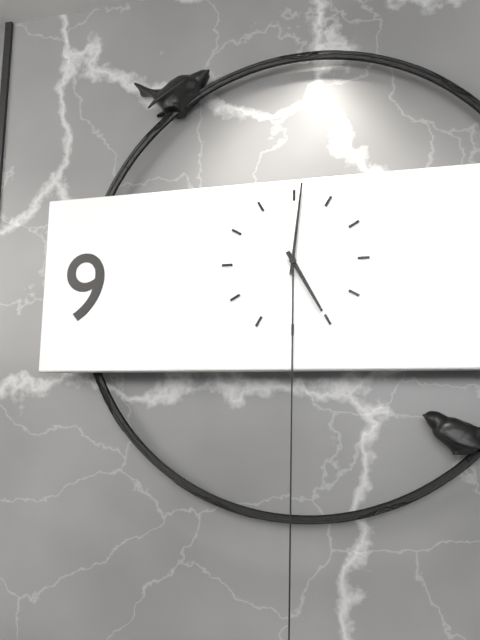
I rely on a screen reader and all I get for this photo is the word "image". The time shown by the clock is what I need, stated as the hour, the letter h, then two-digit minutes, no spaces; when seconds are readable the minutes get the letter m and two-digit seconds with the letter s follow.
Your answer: 5h01
